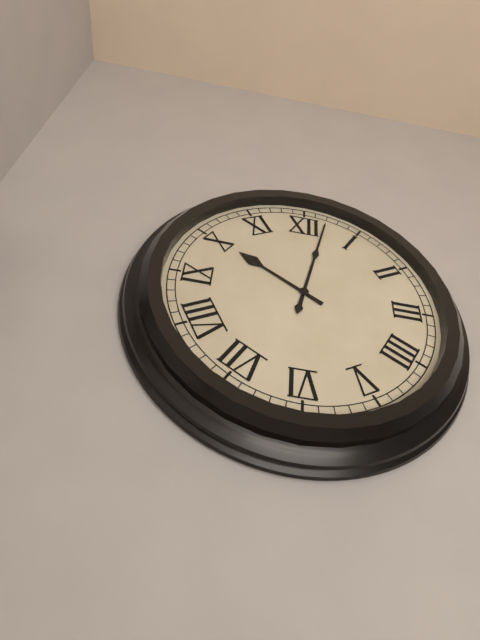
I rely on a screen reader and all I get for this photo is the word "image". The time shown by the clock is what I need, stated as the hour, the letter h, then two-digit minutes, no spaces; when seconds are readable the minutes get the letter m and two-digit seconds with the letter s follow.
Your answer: 10h02
